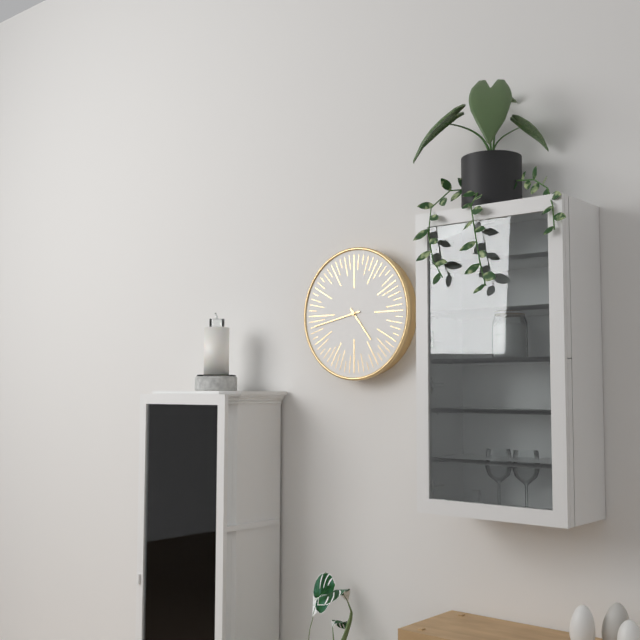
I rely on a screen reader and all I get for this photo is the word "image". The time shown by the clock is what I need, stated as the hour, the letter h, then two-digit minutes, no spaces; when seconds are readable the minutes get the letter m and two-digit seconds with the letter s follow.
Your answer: 4h43
